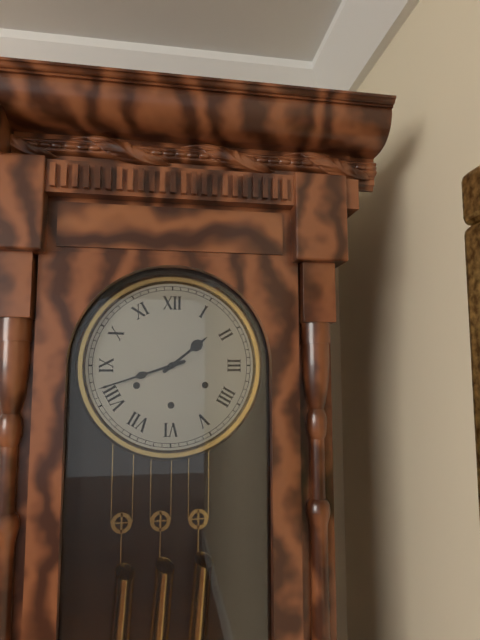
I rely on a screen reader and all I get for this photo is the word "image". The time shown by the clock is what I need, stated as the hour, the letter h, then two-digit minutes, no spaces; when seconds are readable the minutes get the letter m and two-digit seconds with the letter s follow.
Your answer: 1h42
